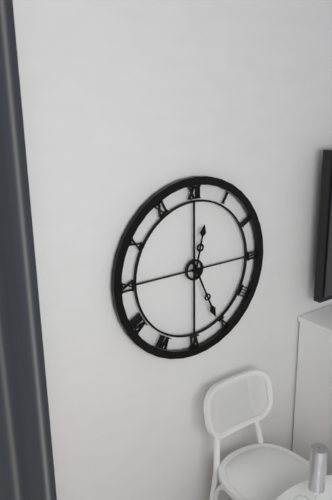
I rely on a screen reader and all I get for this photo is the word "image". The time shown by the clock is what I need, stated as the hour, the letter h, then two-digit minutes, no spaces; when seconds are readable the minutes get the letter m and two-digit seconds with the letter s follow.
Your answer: 12h26
